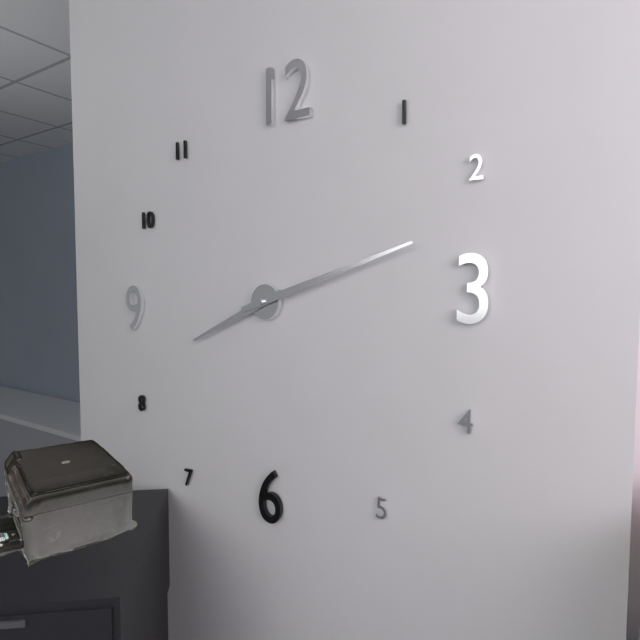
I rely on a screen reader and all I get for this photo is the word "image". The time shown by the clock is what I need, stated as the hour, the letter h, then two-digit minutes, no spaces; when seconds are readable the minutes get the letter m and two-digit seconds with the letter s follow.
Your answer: 8h12
